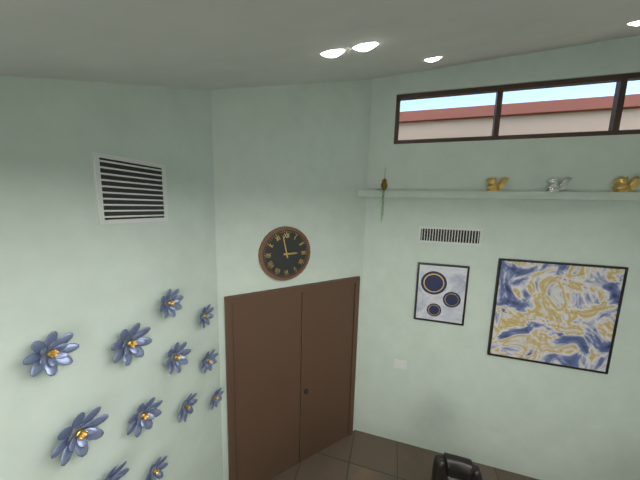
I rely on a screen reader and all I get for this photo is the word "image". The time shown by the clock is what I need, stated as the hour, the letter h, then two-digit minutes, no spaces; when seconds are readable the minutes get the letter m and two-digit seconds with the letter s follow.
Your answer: 2h58
